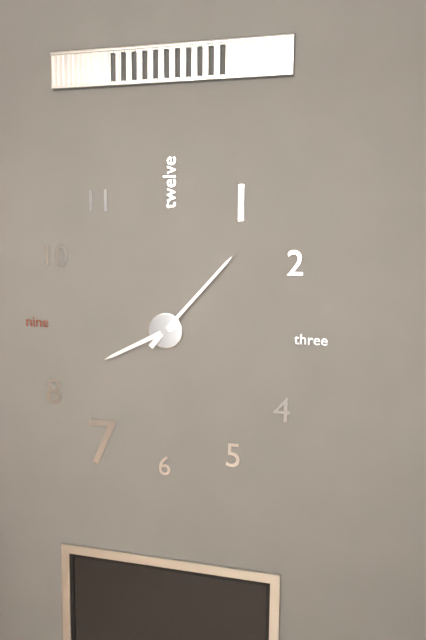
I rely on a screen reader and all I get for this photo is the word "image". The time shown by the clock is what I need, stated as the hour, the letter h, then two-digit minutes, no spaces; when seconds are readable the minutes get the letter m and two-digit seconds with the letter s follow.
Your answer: 8h07
